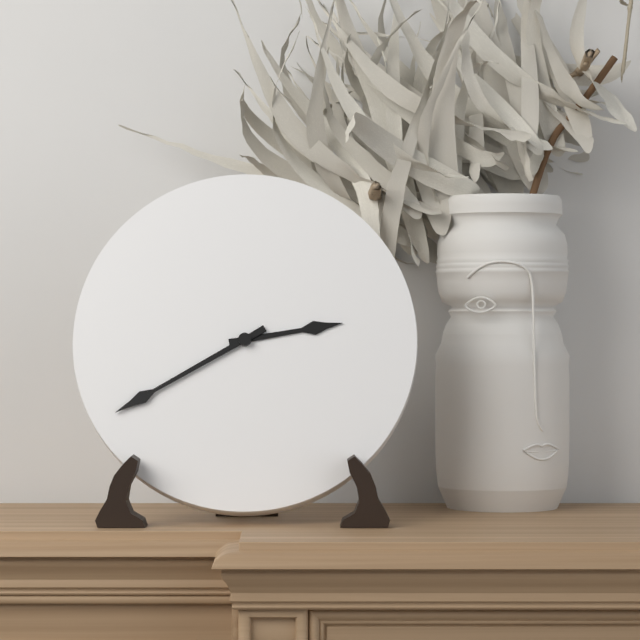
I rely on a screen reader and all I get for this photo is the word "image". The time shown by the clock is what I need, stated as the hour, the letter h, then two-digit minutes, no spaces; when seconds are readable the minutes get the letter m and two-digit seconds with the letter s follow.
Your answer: 2h40
